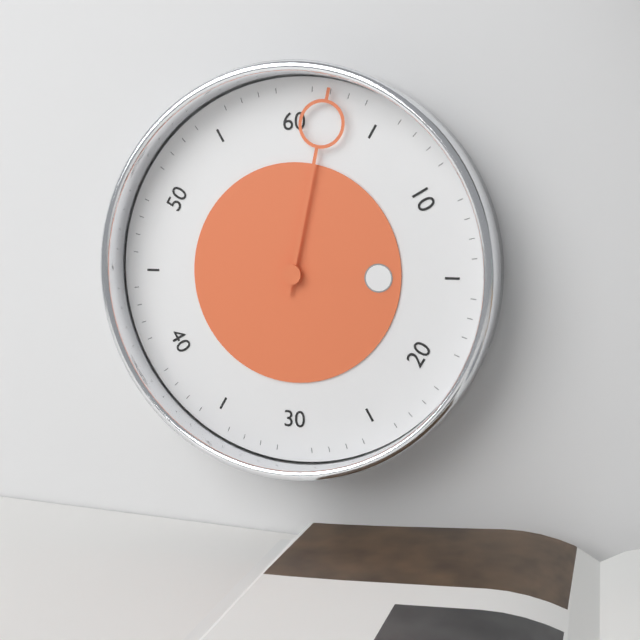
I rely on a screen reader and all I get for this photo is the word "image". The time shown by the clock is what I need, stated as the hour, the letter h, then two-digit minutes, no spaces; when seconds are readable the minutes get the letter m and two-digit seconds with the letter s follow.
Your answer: 3h02
